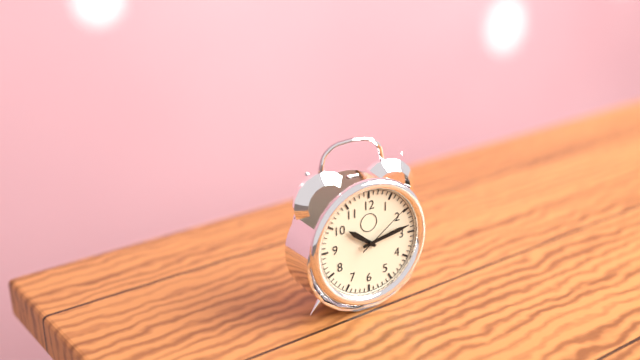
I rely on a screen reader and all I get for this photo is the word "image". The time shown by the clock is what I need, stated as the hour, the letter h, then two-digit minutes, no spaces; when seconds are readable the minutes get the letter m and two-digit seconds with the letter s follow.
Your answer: 10h13m09s
